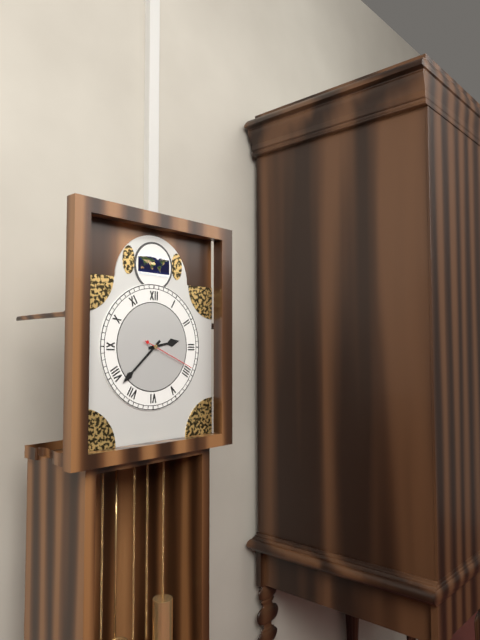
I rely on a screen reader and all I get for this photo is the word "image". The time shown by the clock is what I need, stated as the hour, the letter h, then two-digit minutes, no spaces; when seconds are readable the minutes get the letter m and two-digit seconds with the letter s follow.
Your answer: 2h38m19s
